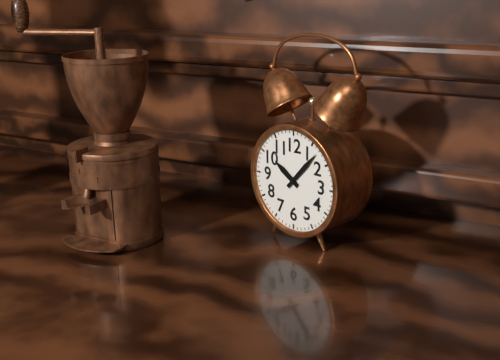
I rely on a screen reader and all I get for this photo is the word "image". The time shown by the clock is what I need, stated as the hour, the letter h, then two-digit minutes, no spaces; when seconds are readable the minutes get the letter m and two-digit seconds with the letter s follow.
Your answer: 10h07
